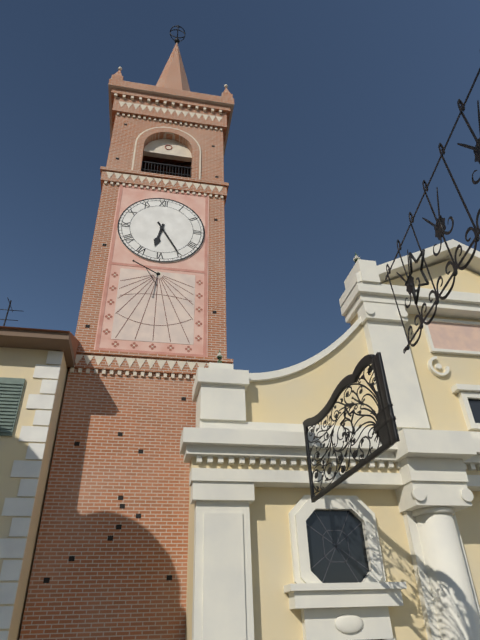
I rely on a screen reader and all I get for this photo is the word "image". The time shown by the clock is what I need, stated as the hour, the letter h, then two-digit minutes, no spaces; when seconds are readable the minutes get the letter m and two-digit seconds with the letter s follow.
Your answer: 6h25
